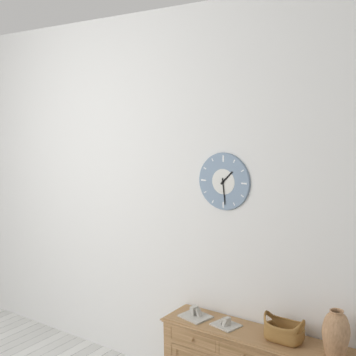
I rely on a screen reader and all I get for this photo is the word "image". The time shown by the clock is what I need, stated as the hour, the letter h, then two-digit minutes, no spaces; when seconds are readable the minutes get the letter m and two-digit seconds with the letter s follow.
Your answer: 1h29
